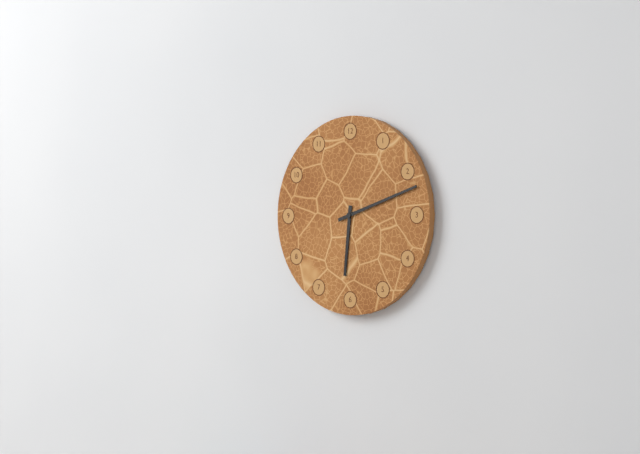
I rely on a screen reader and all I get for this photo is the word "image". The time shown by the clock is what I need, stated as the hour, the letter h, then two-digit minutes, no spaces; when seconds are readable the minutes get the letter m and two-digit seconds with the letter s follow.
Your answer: 6h12
